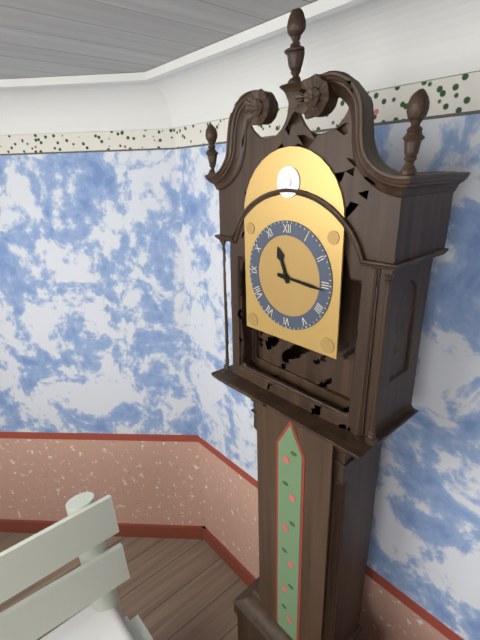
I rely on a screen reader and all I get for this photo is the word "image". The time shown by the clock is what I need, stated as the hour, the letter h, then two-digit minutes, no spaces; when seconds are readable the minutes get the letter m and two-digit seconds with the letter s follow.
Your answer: 11h16
